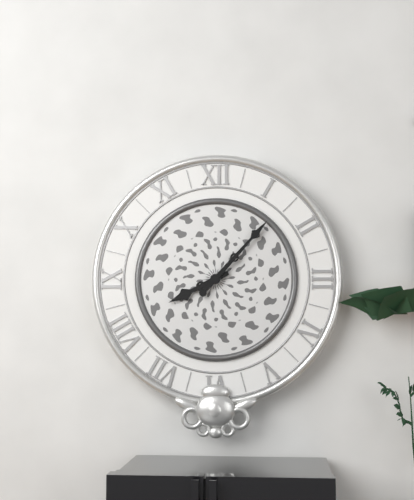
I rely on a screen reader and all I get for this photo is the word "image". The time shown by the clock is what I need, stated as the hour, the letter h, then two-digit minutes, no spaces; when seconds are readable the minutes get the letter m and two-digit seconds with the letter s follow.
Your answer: 8h07
